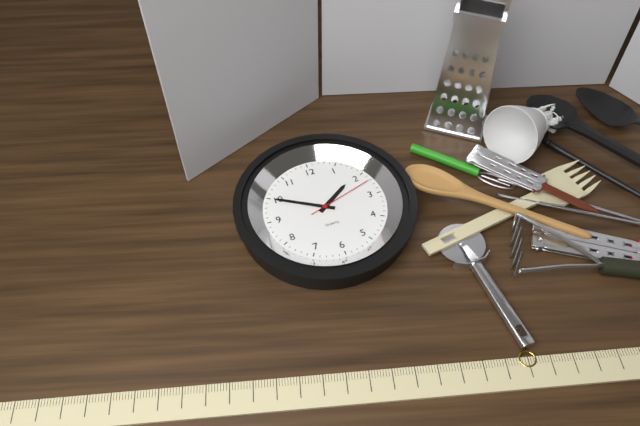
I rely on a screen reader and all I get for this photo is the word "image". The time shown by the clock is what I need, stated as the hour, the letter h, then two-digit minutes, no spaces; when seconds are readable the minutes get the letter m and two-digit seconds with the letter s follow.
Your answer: 1h50m12s
